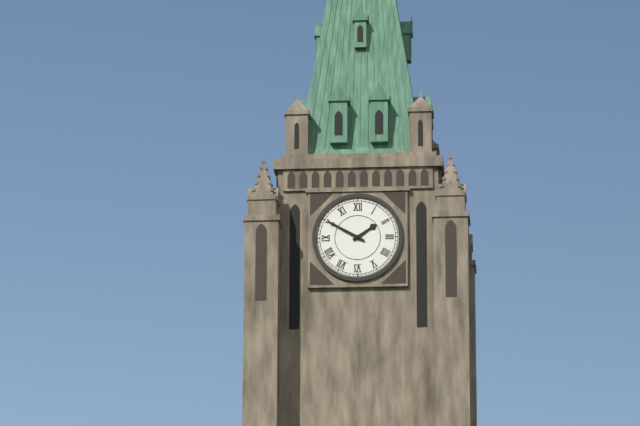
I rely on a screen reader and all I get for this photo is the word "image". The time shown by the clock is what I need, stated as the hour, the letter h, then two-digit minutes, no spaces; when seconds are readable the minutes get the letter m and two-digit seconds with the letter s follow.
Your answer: 1h50
